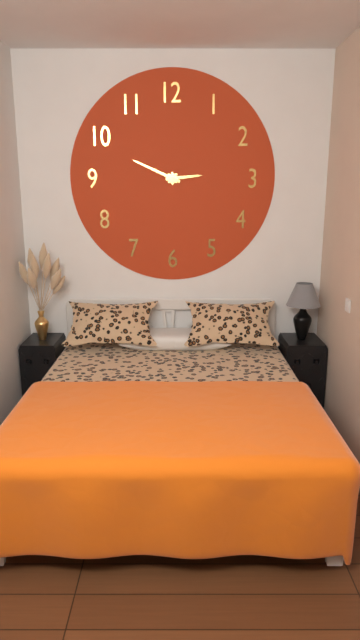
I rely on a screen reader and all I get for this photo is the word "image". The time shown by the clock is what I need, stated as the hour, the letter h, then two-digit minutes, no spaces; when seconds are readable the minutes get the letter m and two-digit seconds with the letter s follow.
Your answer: 2h49
